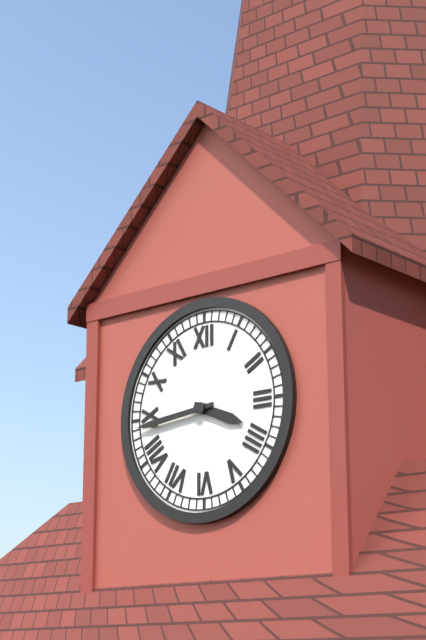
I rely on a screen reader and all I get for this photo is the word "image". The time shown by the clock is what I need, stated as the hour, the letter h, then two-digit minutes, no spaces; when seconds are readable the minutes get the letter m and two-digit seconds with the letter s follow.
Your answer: 3h44
